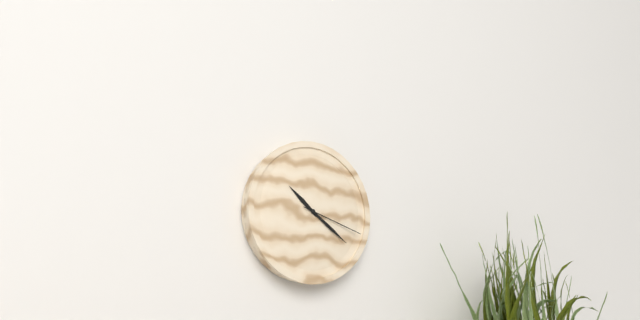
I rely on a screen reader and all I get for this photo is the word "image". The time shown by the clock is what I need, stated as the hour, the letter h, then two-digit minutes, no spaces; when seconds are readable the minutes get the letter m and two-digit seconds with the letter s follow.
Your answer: 10h21m18s
